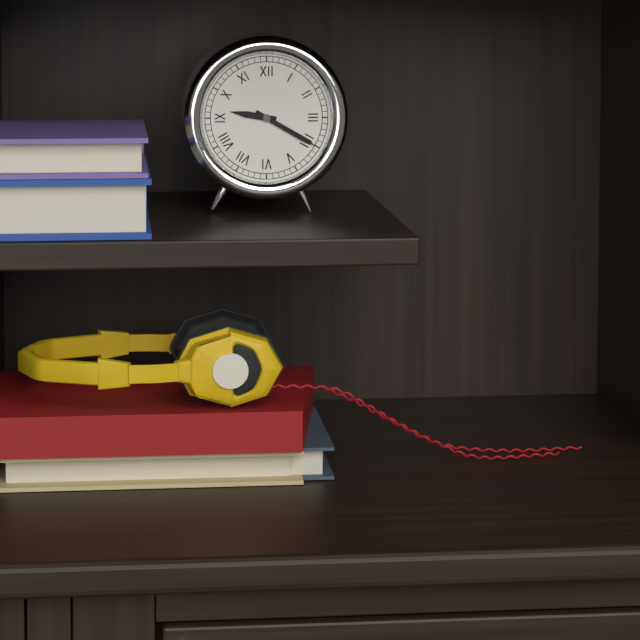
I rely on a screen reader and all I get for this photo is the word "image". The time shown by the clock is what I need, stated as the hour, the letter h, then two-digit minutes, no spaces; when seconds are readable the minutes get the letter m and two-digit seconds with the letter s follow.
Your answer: 9h20
